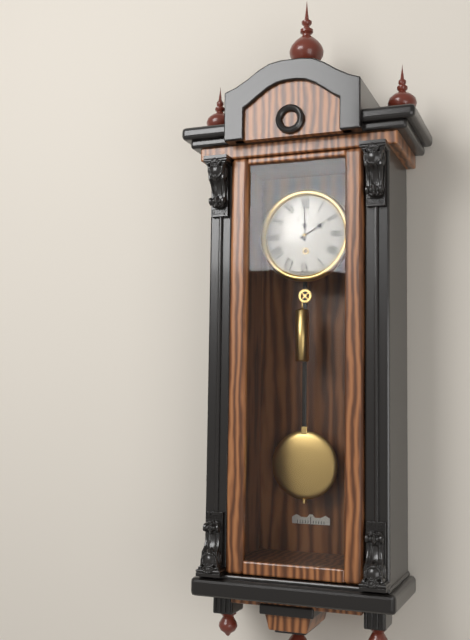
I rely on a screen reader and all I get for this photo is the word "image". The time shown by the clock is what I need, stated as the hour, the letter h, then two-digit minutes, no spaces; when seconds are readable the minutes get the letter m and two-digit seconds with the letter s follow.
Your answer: 2h00
